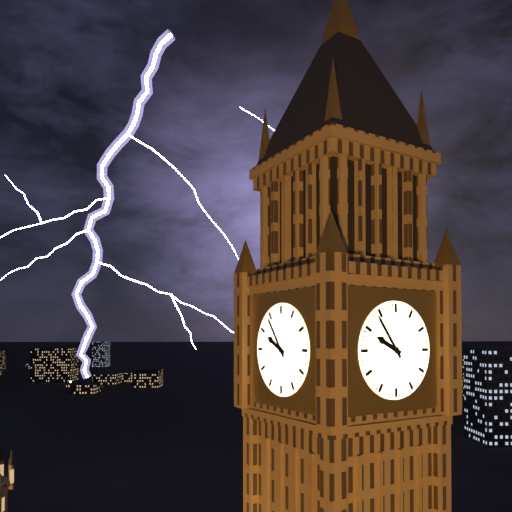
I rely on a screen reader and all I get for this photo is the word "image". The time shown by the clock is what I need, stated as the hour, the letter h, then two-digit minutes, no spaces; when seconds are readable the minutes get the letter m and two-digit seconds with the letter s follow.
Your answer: 9h54
